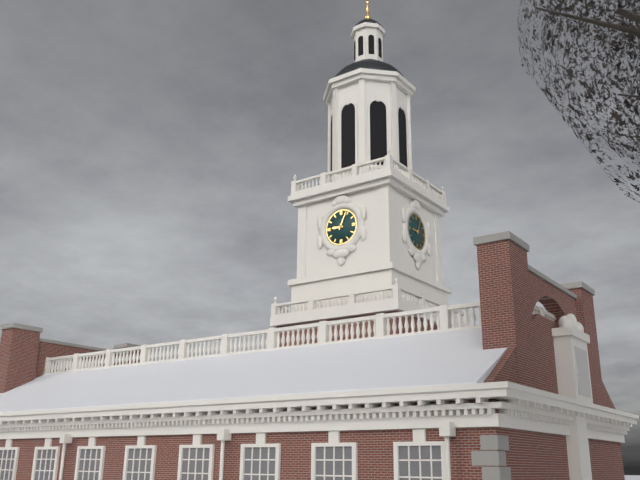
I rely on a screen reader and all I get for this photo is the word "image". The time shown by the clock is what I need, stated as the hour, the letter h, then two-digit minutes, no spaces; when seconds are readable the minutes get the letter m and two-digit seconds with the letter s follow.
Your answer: 9h04
